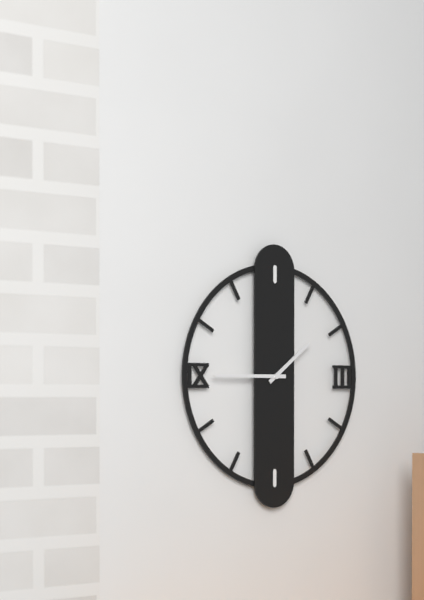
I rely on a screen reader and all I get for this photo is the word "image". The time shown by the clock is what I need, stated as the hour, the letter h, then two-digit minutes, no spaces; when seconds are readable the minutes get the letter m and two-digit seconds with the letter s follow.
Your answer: 1h45
